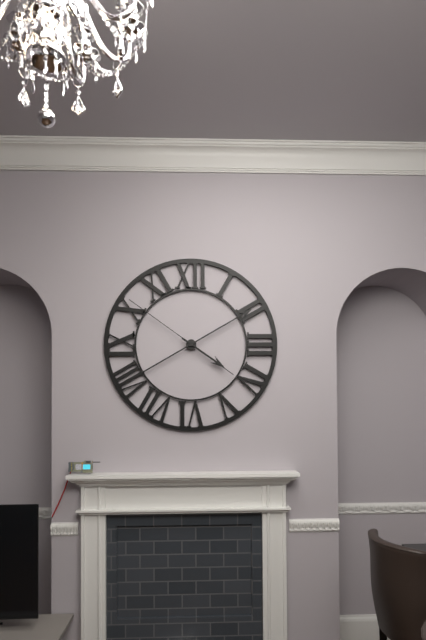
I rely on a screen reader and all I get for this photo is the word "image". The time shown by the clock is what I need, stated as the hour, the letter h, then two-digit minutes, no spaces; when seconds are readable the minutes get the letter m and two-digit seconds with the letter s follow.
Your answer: 4h10m51s
